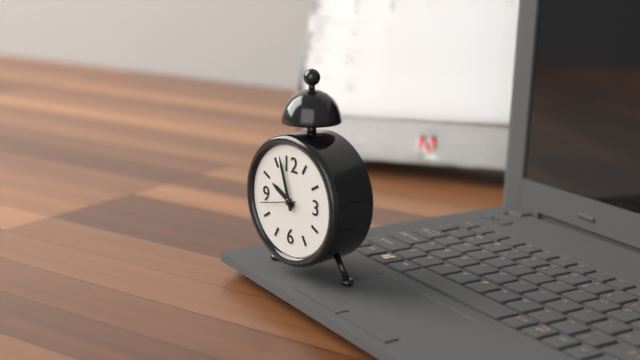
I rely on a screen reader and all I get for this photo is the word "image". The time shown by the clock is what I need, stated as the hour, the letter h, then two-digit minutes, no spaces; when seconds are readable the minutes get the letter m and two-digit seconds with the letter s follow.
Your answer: 9h57
